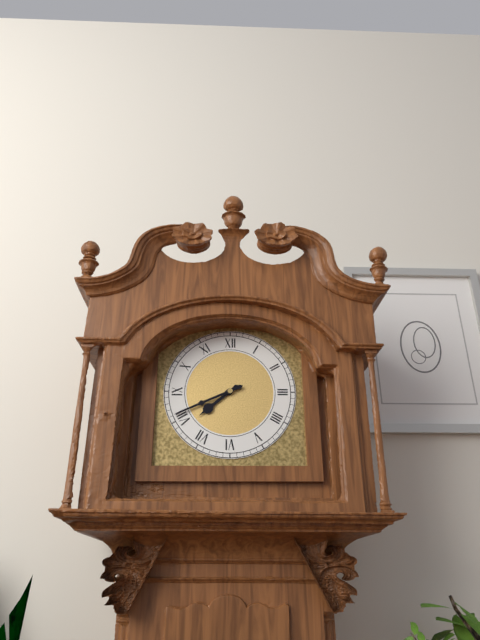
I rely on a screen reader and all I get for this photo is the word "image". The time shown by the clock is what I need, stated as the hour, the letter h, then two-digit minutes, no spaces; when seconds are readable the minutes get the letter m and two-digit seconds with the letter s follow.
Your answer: 7h41
